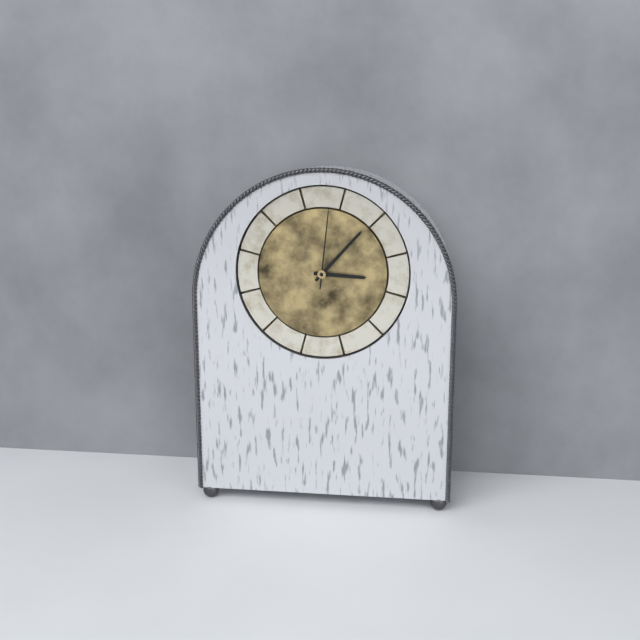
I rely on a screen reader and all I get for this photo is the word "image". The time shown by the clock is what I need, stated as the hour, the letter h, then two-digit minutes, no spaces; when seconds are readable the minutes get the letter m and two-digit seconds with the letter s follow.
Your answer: 3h07m01s
